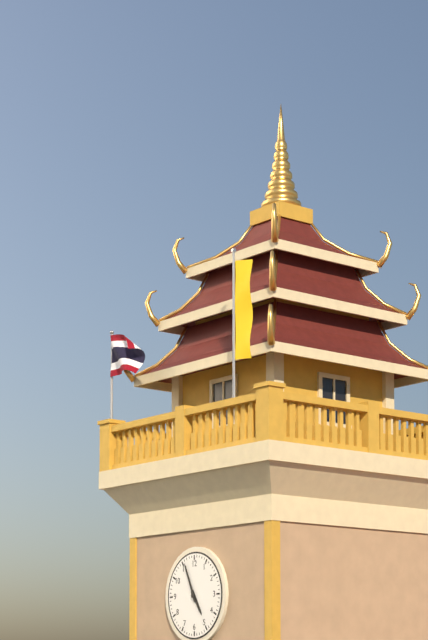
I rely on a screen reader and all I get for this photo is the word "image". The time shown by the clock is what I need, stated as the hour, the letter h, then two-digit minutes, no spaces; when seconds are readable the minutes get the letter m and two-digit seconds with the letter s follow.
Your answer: 4h56
